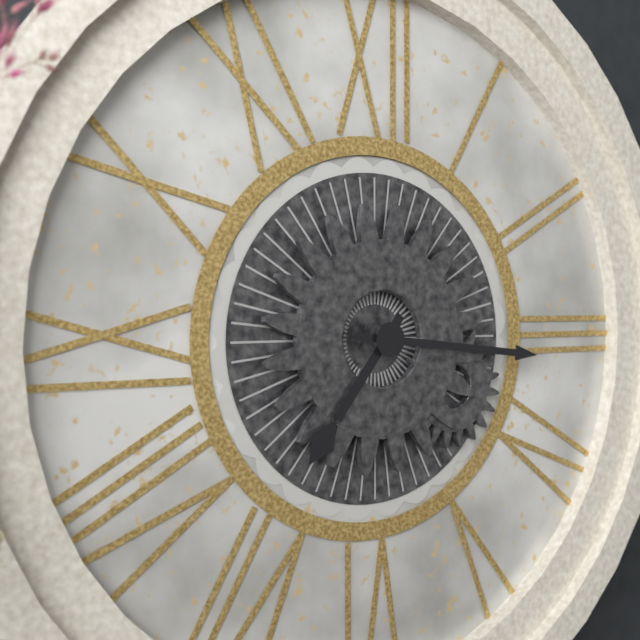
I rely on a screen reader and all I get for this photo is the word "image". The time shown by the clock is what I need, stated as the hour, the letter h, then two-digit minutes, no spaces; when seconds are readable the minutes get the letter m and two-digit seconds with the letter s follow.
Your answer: 7h16
